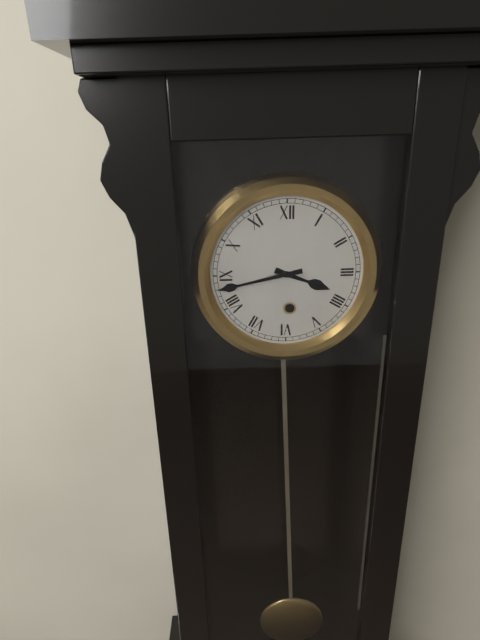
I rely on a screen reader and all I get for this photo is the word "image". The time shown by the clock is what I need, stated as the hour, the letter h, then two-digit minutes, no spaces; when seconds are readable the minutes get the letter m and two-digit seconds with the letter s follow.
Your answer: 3h43
